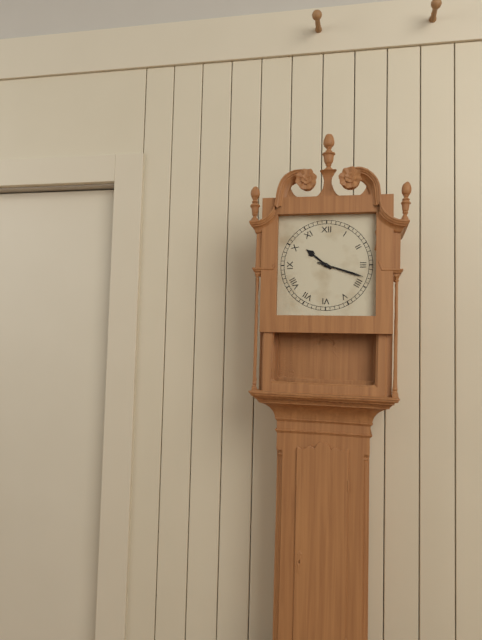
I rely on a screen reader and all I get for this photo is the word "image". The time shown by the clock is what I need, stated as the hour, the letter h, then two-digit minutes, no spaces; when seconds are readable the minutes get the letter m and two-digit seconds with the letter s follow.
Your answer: 10h18
